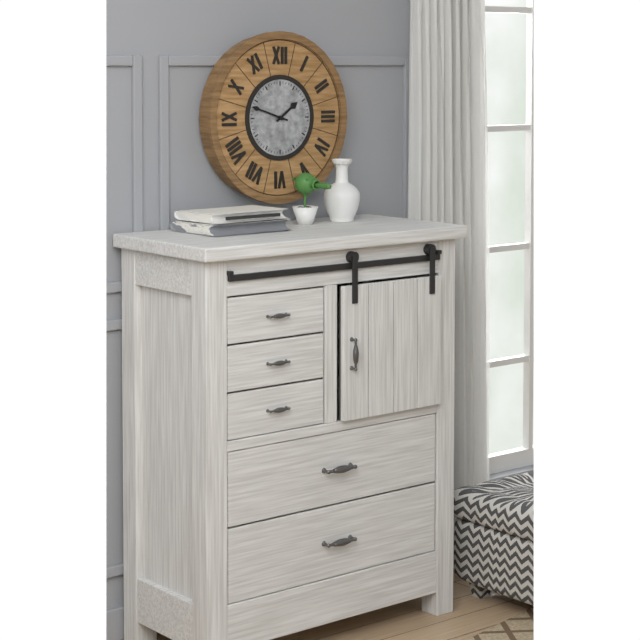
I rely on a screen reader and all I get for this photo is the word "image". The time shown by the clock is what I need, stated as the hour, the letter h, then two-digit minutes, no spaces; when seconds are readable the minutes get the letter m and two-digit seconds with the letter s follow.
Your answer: 1h48
